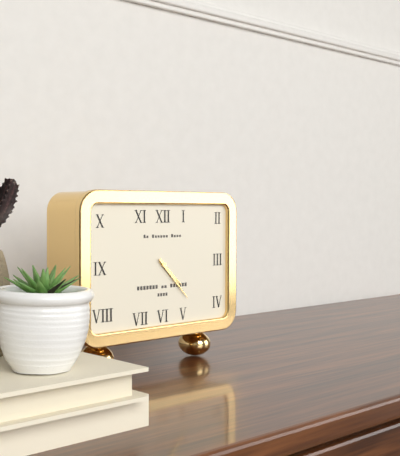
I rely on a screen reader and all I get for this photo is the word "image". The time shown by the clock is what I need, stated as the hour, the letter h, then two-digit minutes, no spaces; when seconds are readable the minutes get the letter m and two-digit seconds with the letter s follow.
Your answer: 4h23
